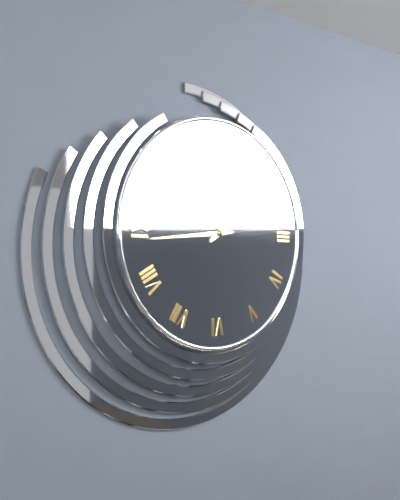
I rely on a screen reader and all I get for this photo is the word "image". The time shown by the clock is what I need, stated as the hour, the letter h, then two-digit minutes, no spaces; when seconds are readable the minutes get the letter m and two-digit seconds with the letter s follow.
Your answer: 1h44
